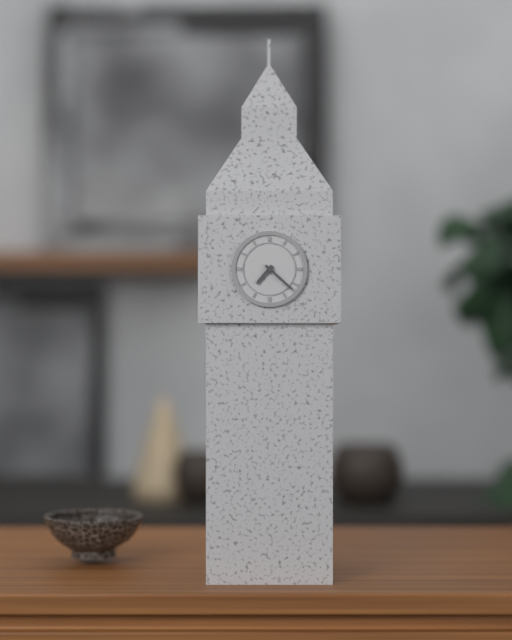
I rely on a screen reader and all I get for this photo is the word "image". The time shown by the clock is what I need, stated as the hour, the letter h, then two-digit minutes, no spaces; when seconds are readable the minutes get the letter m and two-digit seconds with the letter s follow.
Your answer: 7h22
